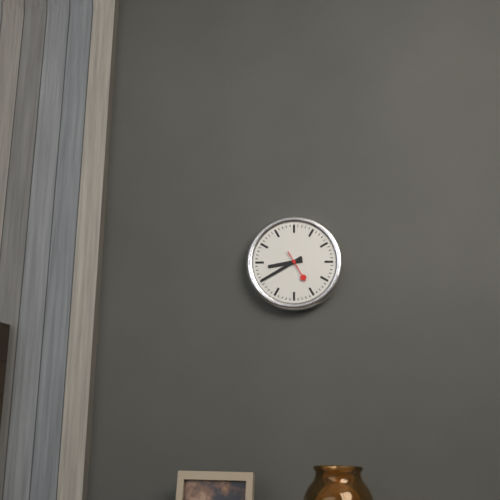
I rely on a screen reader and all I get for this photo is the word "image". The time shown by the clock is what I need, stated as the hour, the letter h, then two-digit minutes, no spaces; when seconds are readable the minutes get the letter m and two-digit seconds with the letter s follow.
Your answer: 8h40
